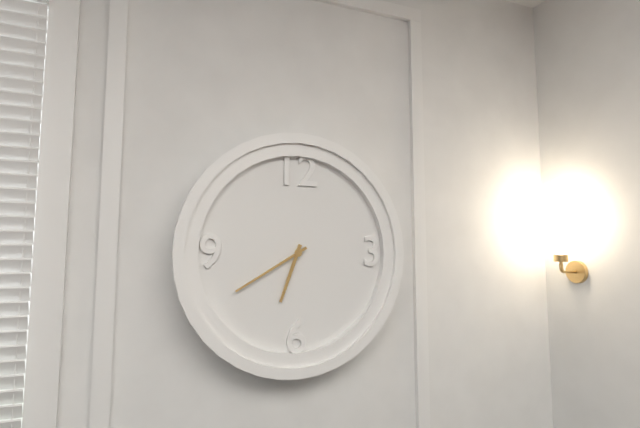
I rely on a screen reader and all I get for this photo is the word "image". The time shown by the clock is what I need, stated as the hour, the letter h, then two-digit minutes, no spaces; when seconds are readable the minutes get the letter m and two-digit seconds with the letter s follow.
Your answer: 6h40
